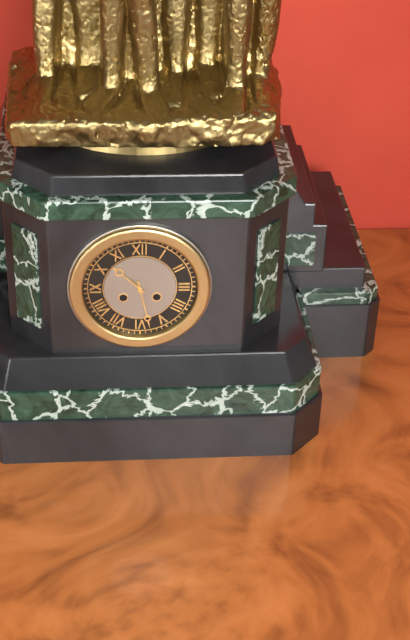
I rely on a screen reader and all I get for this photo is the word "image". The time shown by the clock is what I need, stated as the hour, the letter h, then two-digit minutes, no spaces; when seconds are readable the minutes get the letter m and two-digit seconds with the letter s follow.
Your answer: 10h28
